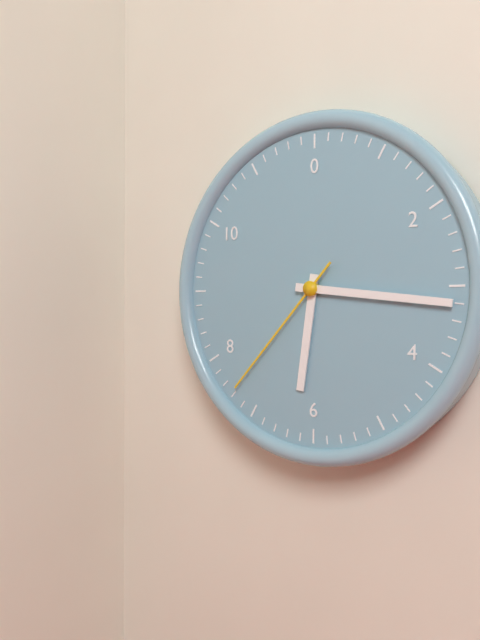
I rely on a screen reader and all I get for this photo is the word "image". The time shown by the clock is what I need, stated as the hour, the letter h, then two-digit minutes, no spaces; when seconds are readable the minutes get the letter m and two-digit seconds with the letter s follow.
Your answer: 6h16m37s
